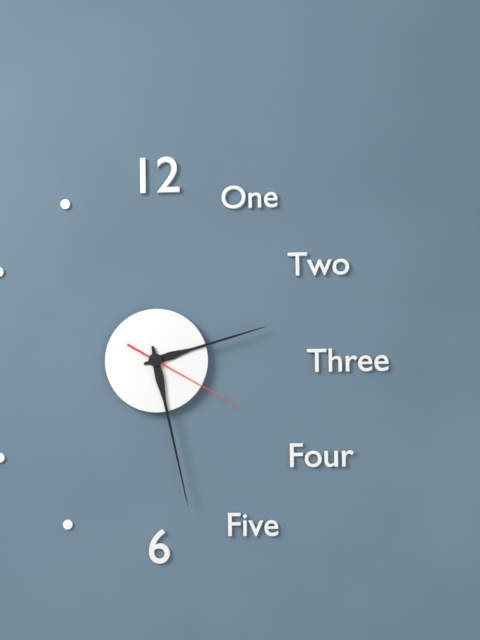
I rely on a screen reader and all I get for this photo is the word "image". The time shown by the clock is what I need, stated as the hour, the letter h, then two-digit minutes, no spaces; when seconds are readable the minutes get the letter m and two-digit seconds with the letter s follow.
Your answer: 2h28m20s
